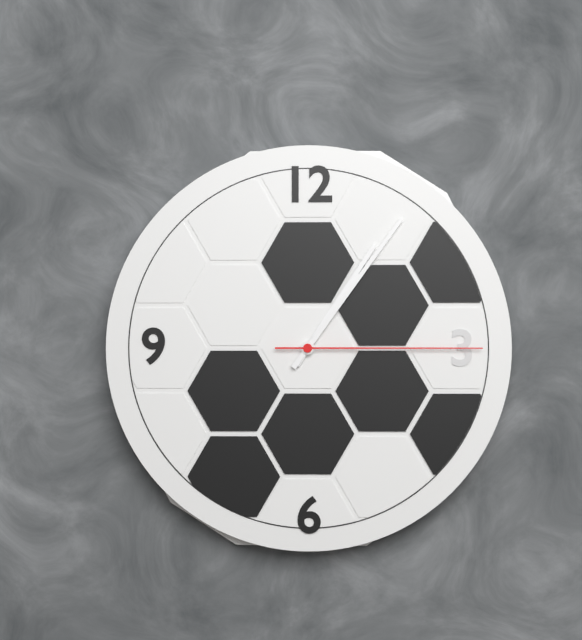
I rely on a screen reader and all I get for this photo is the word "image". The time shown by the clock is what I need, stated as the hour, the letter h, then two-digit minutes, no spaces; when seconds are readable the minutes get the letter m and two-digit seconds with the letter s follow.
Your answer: 1h06m15s
